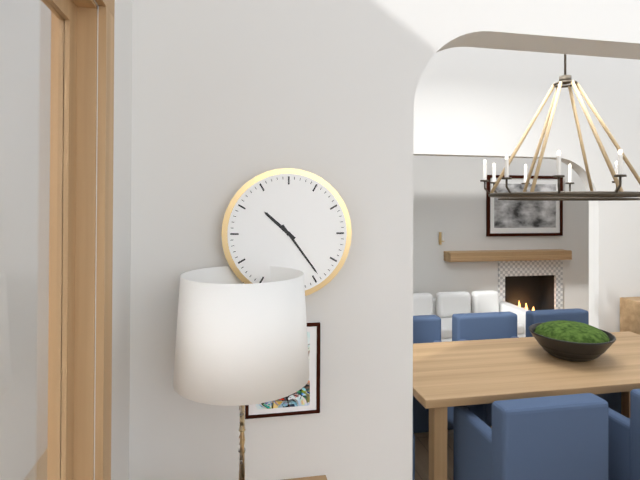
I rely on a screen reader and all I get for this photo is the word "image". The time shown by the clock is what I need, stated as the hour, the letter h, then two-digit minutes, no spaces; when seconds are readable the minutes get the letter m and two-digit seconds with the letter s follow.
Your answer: 10h24
